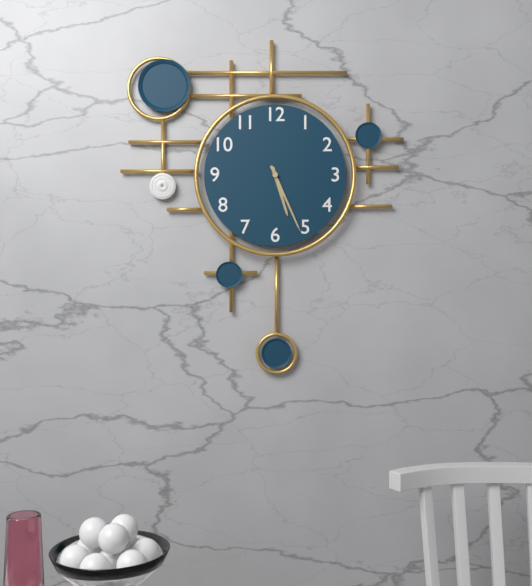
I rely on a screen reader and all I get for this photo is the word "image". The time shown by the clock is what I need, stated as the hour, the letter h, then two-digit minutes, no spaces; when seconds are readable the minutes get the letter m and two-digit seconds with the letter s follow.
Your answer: 5h26
